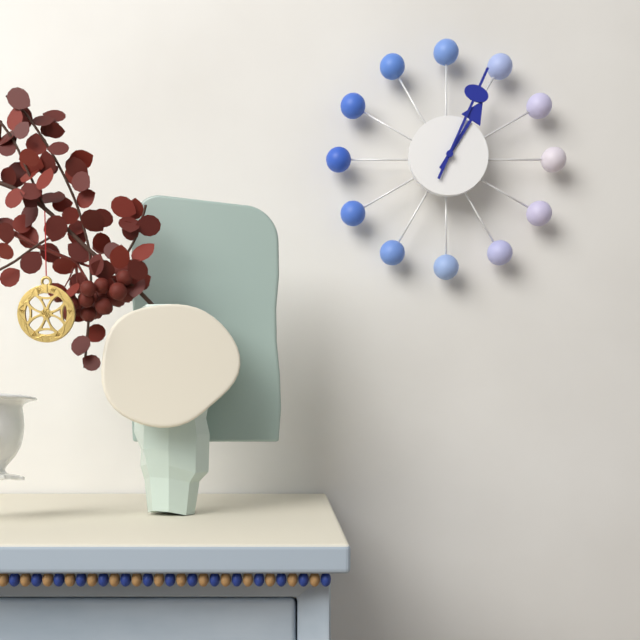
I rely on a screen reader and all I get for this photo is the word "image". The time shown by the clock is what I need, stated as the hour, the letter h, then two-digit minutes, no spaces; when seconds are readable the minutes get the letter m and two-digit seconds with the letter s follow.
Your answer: 1h04
